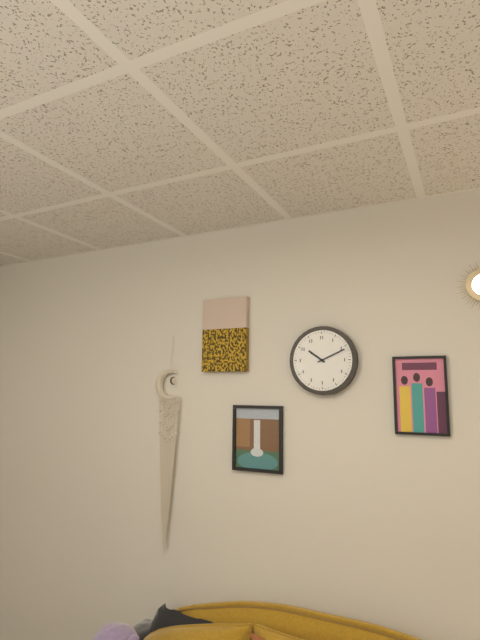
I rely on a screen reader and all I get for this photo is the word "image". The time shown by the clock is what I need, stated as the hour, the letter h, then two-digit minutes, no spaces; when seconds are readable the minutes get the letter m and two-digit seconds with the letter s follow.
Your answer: 10h11
